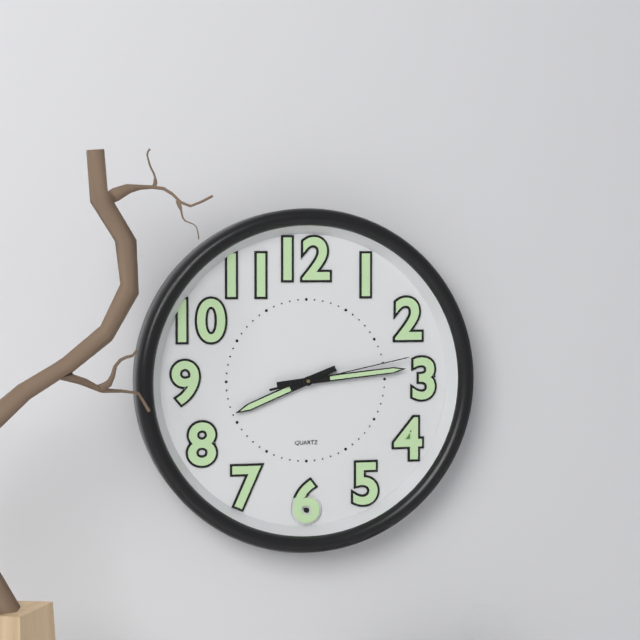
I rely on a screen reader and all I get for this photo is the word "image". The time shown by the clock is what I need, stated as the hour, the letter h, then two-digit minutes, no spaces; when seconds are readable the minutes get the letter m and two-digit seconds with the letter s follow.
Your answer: 8h14m13s
